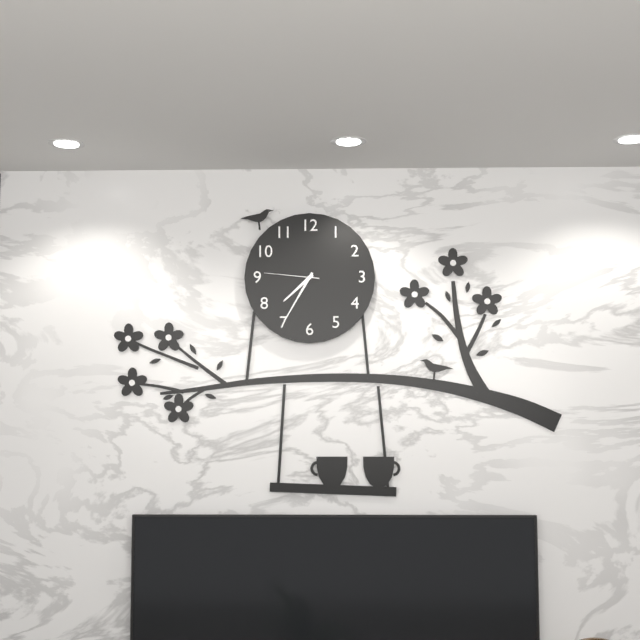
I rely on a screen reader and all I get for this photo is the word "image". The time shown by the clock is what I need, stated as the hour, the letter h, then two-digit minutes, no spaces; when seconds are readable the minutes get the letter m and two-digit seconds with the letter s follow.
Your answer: 7h35m46s
